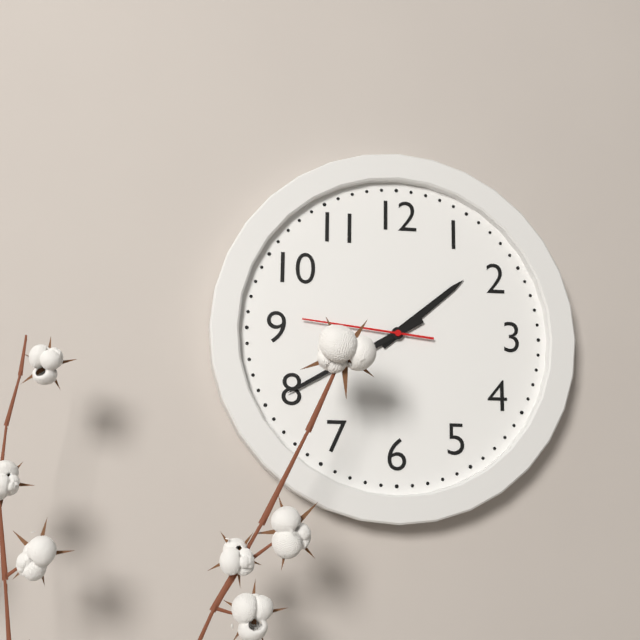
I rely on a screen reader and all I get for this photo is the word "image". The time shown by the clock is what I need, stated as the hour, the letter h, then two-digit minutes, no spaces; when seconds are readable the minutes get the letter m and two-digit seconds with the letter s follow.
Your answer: 1h40m46s
